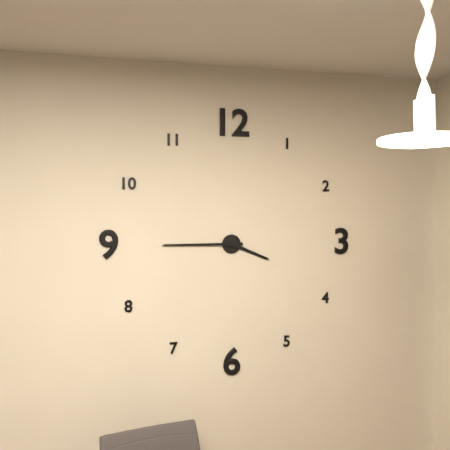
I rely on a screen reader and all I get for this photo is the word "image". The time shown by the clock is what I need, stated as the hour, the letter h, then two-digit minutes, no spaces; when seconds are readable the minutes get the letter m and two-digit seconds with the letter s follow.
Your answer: 3h45
